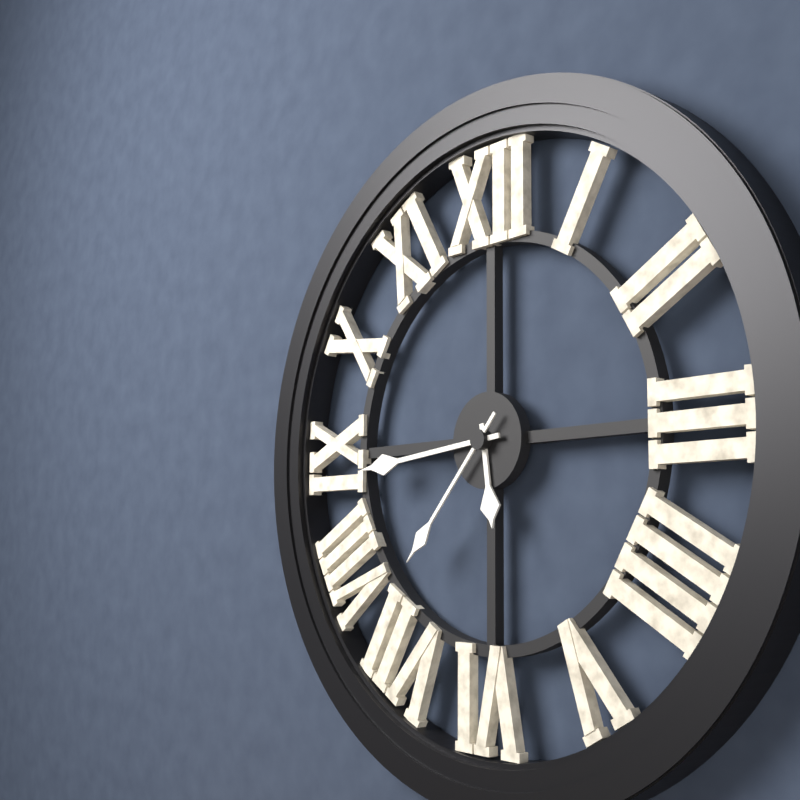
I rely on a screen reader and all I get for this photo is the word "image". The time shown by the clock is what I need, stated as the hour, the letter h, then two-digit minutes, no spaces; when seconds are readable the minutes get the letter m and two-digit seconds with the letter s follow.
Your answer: 5h44m37s
